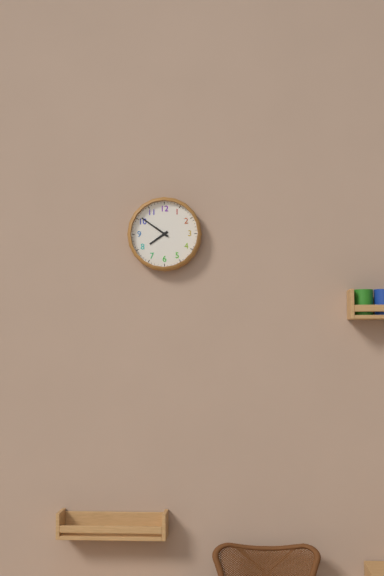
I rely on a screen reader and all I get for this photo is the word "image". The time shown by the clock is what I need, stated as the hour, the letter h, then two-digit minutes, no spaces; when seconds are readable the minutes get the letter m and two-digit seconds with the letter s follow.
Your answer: 7h51
